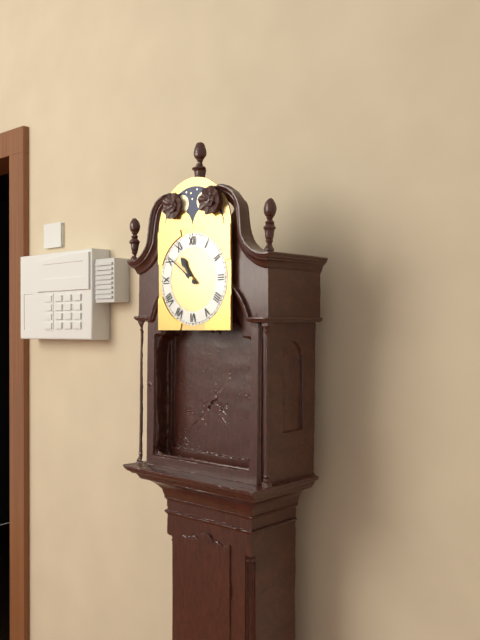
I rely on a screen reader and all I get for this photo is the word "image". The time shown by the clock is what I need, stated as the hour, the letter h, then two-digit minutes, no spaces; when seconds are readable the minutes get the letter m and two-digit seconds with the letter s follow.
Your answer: 10h51
